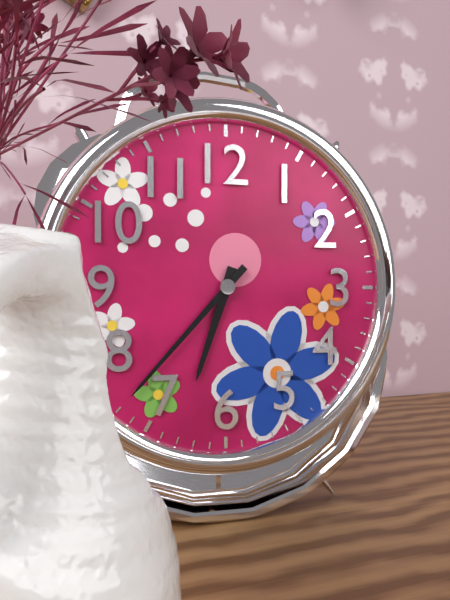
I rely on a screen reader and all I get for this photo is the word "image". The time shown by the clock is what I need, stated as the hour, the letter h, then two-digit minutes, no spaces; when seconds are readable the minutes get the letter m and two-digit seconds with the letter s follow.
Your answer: 6h37
